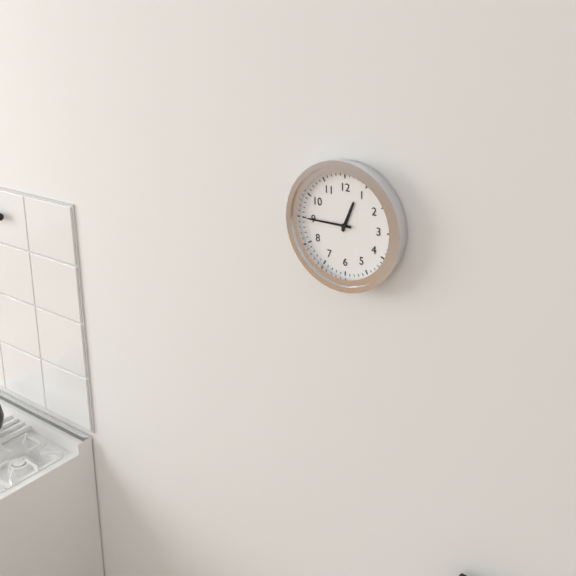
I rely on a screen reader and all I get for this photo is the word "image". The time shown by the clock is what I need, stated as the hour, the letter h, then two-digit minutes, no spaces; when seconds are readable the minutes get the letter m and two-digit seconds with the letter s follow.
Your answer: 12h45
